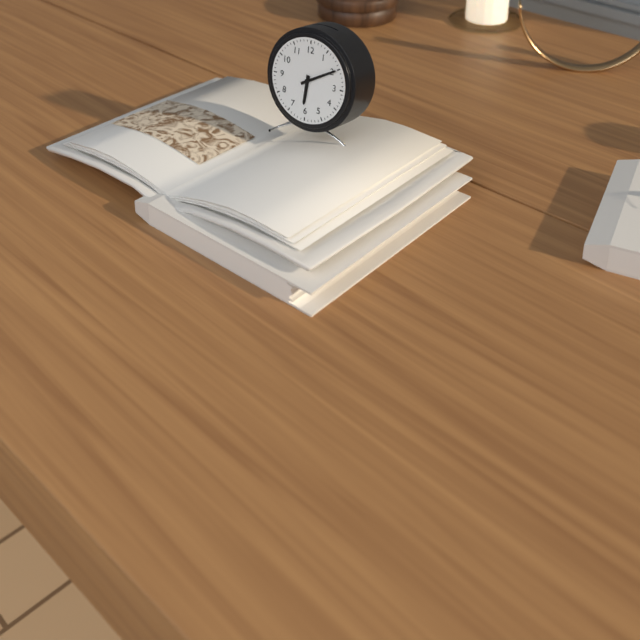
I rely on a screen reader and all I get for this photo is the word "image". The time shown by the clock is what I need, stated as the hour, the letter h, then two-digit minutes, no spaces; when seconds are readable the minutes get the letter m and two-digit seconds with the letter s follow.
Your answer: 6h10
